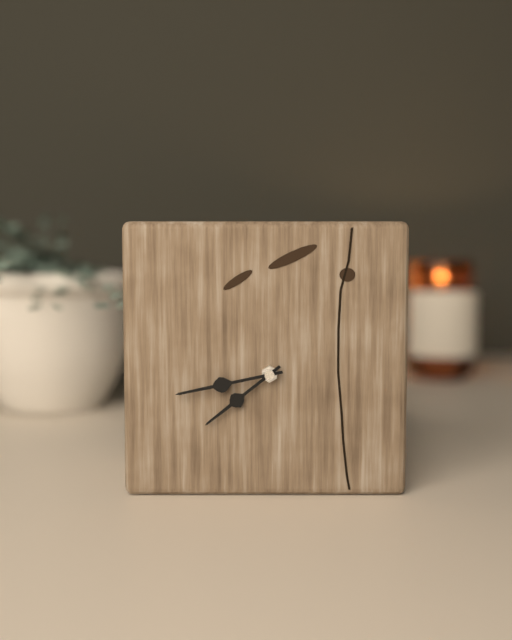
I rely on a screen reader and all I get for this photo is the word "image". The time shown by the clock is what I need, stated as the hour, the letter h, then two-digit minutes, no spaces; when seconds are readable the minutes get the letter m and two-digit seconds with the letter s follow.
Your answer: 7h43
